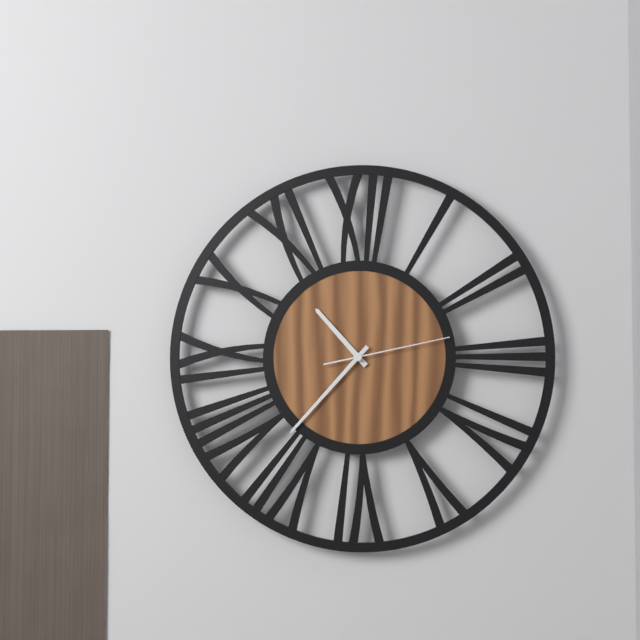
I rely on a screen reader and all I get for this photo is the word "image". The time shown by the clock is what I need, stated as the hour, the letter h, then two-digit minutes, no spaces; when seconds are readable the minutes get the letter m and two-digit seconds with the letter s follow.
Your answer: 10h37m13s
